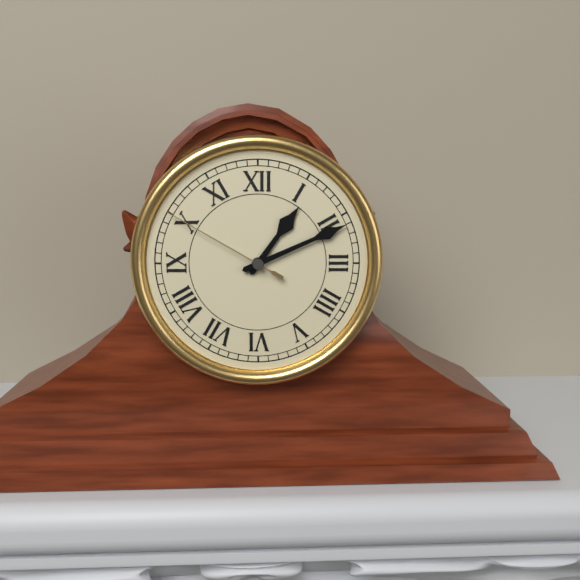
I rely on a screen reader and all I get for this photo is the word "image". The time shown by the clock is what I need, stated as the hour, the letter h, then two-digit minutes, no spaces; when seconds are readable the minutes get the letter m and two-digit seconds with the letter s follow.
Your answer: 1h11m50s
